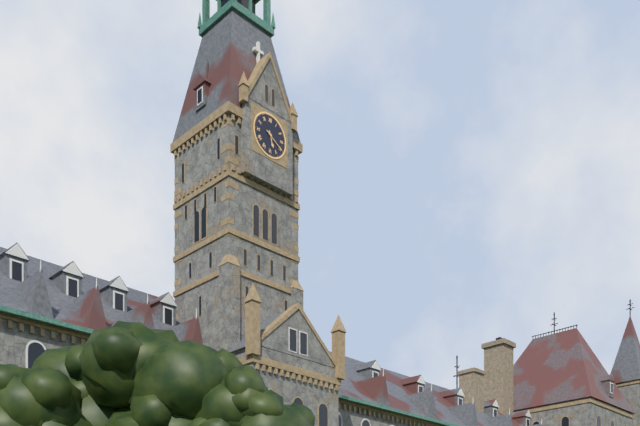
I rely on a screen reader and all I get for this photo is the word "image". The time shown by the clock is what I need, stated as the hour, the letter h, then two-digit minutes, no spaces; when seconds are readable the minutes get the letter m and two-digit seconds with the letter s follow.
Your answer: 5h20
